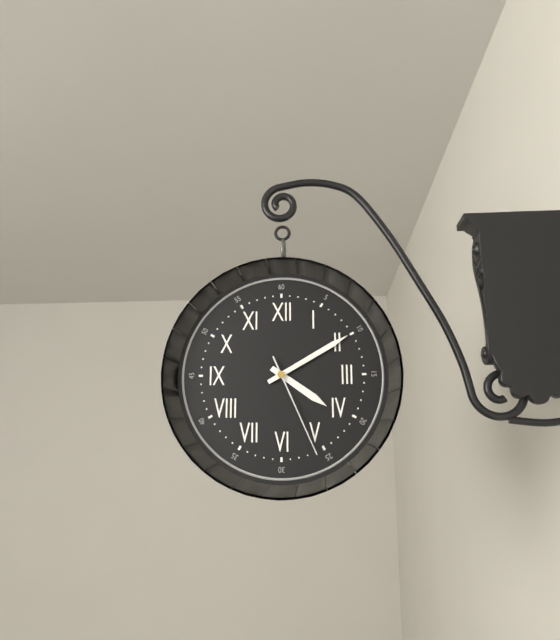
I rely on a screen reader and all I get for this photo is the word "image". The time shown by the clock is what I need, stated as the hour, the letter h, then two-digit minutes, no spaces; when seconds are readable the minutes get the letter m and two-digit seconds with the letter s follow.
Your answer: 4h10m26s
